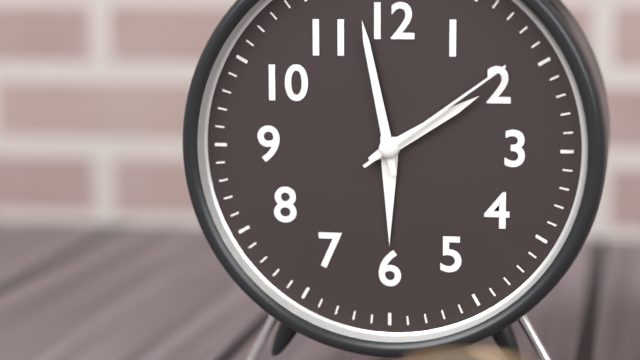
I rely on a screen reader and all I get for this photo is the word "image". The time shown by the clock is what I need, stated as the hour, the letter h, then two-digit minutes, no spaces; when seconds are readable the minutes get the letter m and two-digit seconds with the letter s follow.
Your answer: 1h58m09s
